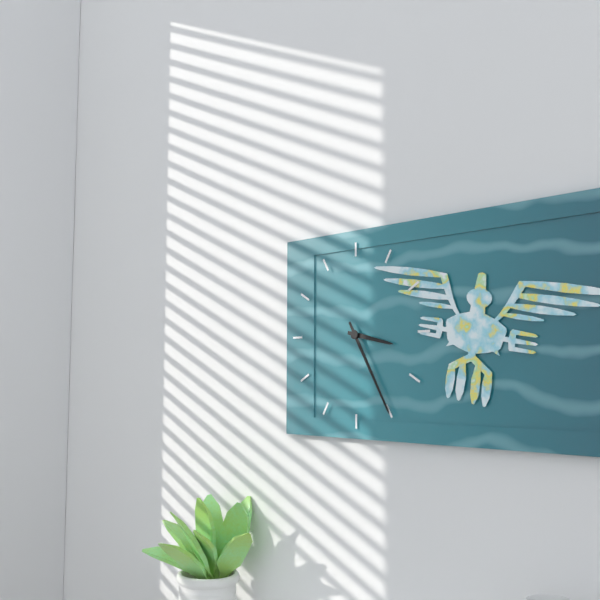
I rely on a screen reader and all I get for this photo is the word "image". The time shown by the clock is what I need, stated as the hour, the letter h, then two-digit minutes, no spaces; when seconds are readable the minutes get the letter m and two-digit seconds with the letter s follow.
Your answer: 3h25
